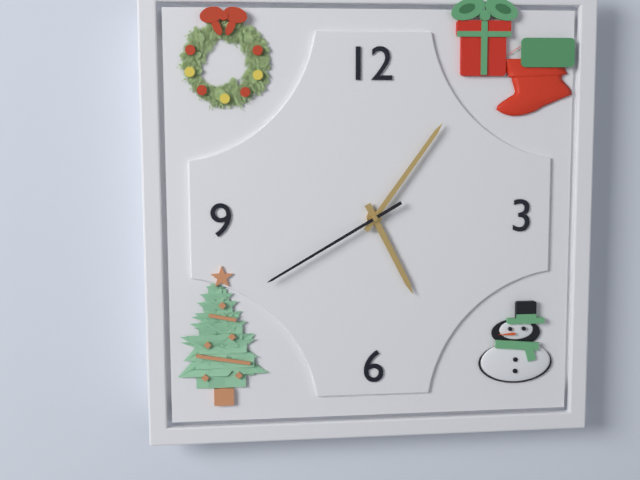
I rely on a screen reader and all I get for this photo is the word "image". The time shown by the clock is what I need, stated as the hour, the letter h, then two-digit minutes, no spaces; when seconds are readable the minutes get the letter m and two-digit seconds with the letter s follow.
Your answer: 5h06m40s
